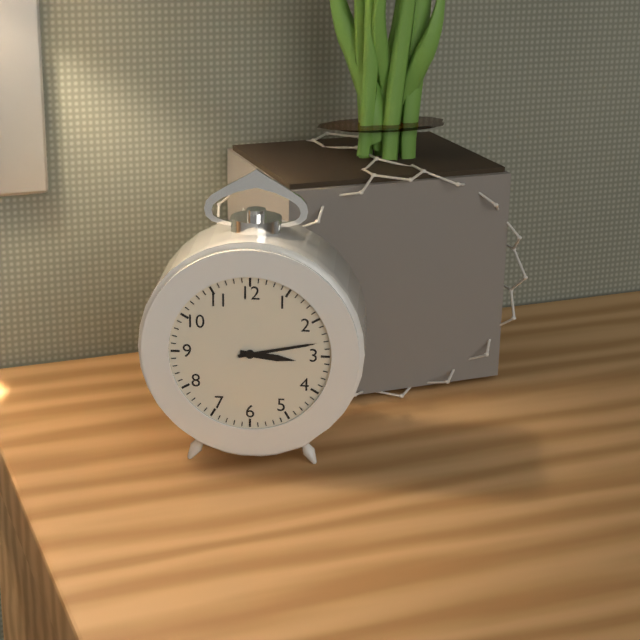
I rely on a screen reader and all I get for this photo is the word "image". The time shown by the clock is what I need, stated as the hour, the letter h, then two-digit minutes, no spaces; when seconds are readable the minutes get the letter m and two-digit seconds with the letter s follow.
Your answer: 3h13
